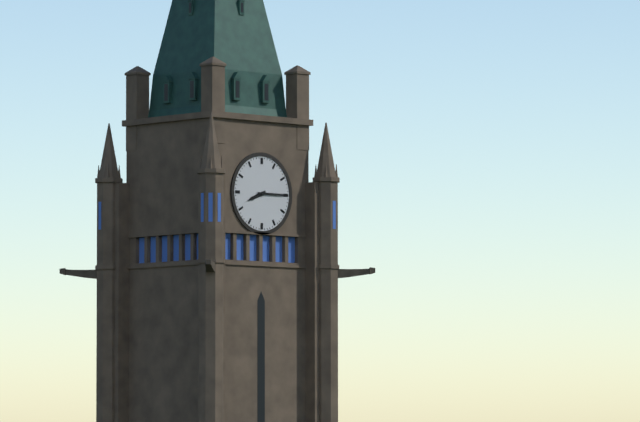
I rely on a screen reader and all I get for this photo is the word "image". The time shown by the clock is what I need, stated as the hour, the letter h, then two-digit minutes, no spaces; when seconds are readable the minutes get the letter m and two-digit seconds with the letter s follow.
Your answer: 8h15
